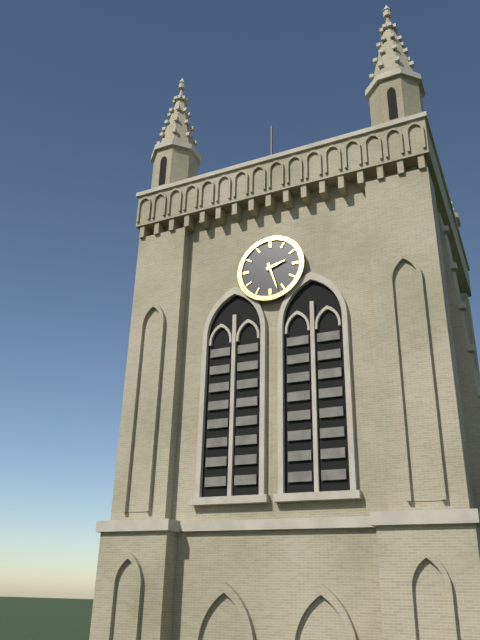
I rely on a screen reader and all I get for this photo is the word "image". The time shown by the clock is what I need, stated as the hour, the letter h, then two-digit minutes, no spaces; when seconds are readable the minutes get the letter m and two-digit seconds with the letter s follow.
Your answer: 2h27
